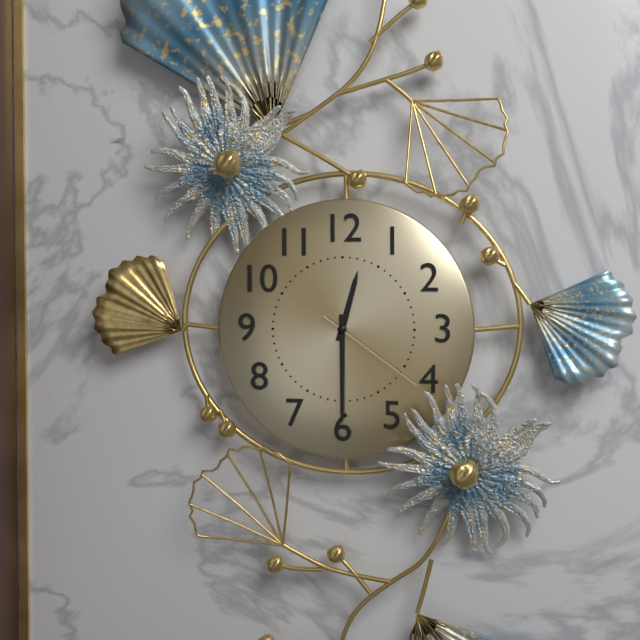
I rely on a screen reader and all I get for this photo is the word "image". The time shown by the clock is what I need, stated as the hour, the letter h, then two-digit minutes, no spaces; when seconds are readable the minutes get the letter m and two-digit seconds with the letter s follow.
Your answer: 12h30m21s
